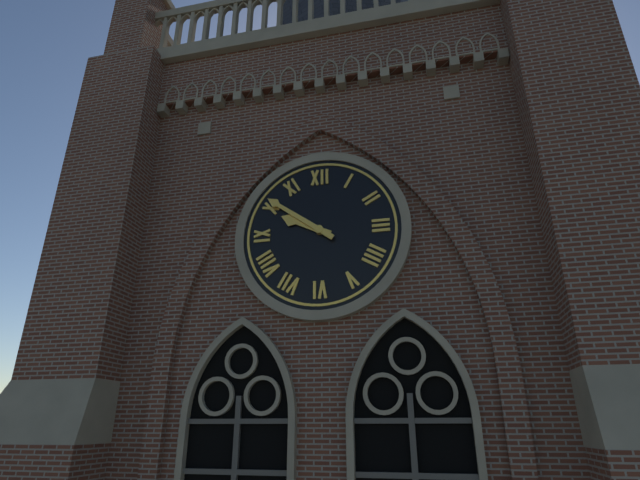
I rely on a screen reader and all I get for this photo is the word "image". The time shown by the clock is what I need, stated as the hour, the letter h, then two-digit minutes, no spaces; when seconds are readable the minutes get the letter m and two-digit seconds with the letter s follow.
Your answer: 9h51
